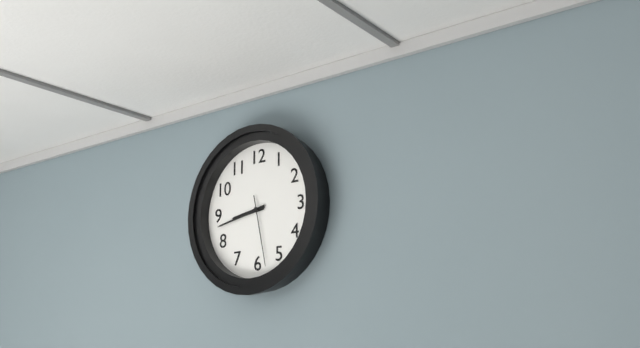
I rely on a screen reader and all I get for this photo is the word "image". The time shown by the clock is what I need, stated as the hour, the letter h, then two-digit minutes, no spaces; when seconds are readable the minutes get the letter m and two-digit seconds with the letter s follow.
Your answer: 8h43m28s
